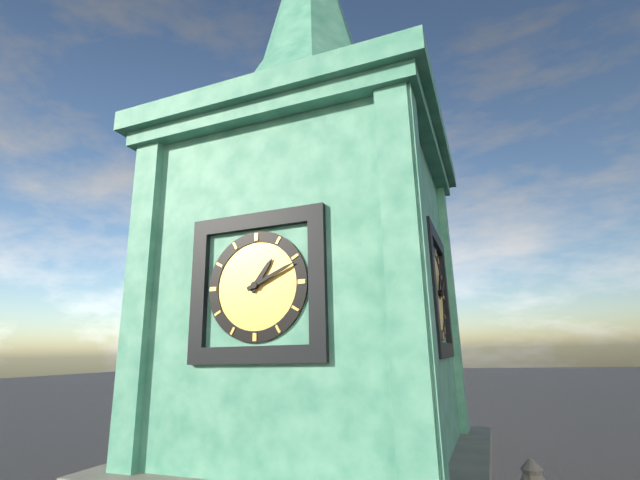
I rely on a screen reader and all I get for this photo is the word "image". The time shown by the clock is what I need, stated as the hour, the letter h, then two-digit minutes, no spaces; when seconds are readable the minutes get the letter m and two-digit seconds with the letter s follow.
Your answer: 1h11
